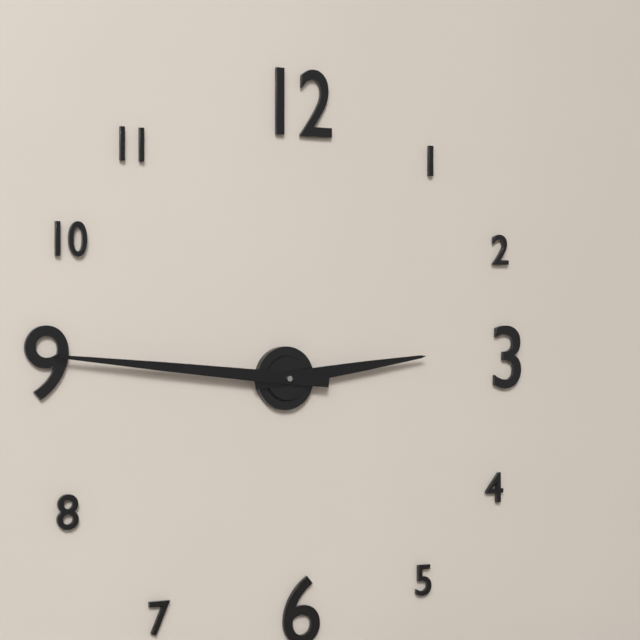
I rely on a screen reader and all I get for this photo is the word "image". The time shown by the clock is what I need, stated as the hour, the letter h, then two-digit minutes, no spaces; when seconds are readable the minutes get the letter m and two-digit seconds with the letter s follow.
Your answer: 2h46
